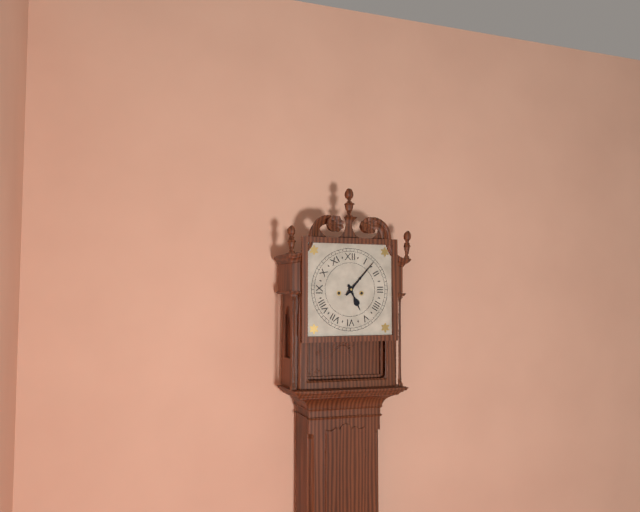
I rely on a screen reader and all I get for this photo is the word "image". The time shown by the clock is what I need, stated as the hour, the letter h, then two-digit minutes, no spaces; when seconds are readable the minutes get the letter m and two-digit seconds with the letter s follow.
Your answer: 5h07
